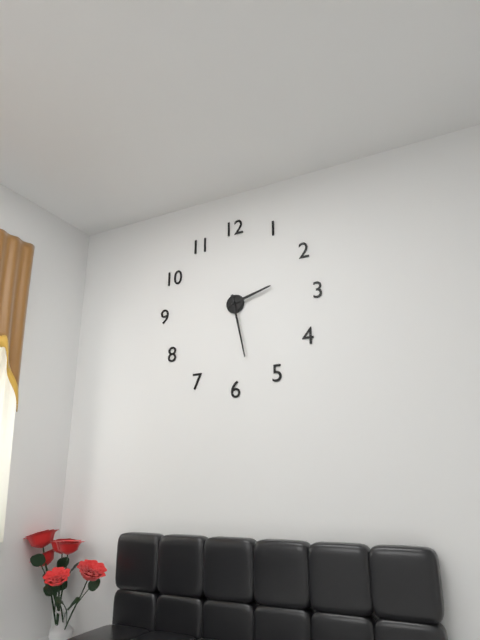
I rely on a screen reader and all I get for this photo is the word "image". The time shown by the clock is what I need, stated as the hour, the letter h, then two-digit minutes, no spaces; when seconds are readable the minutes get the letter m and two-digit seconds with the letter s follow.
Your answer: 2h28
